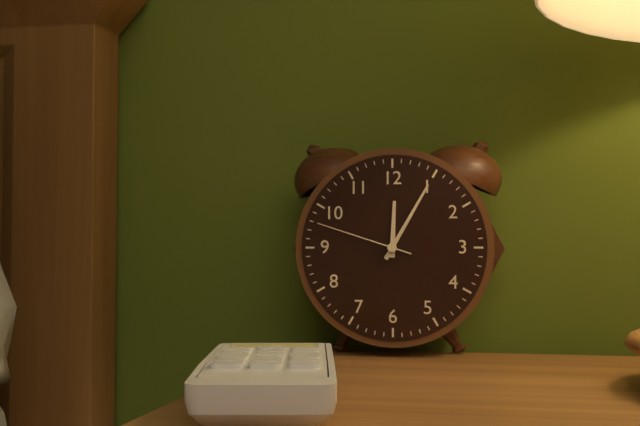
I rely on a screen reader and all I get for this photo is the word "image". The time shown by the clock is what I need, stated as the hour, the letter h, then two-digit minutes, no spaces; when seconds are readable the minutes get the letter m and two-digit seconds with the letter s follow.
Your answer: 12h05m48s
